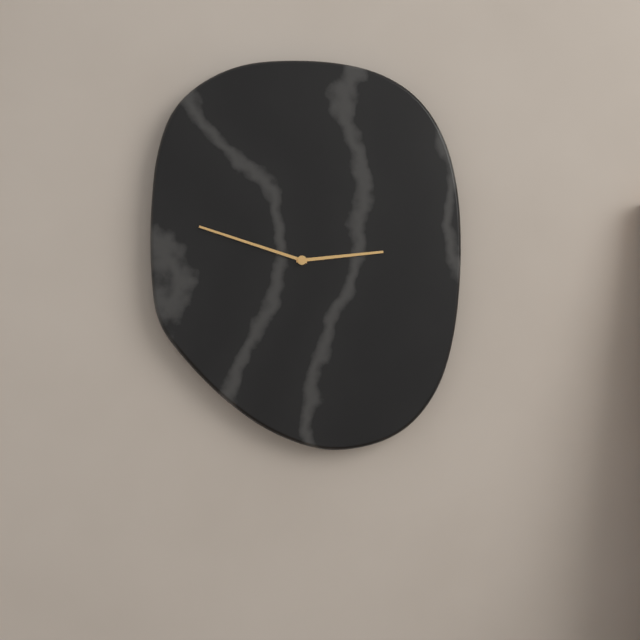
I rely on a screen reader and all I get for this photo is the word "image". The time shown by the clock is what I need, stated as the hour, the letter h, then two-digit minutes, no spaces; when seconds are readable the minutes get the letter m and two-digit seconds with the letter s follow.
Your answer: 2h48
